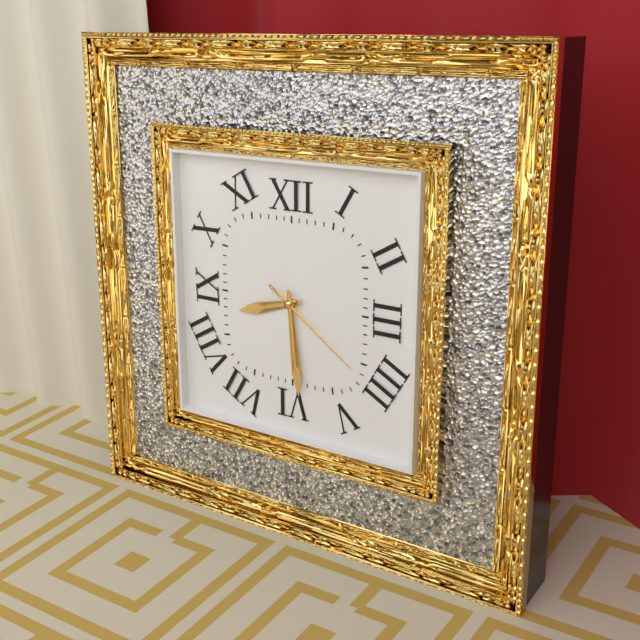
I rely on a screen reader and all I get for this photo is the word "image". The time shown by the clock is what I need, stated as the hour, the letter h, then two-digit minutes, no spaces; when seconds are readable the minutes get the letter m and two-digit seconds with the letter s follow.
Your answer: 8h29m21s
